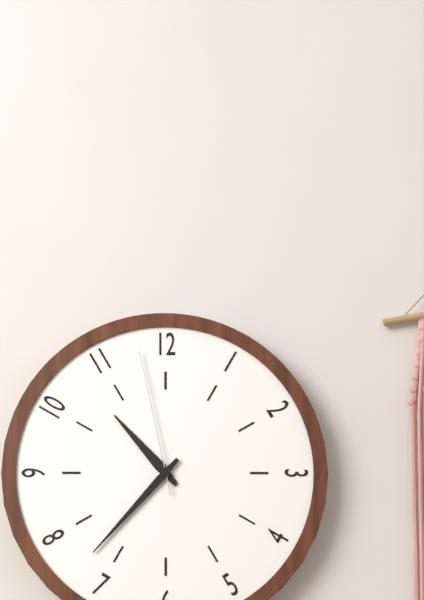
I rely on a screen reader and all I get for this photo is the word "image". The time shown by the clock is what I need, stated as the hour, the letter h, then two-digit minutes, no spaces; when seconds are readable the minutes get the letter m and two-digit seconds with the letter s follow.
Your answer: 10h37m58s
